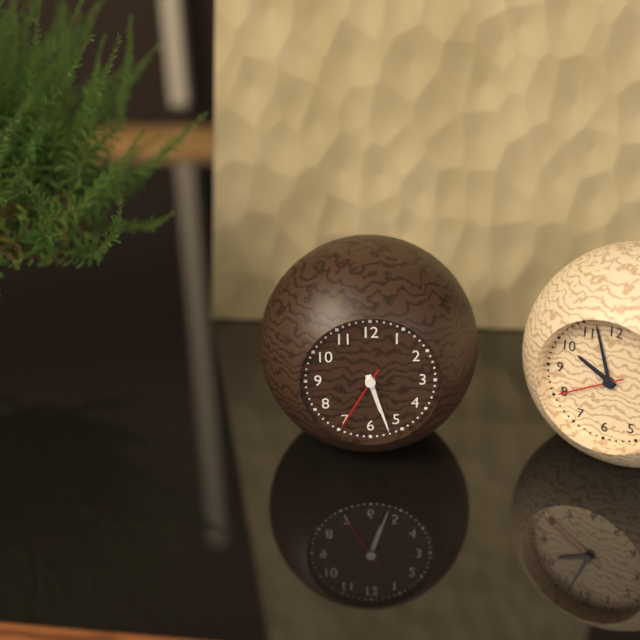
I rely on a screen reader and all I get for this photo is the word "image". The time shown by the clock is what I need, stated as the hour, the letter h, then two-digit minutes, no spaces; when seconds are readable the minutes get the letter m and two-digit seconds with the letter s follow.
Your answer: 5h27m35s
